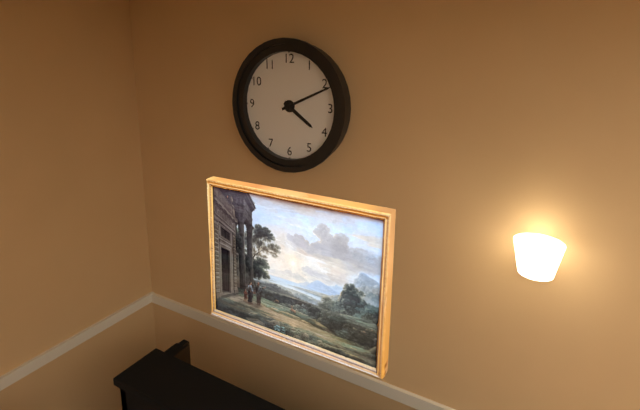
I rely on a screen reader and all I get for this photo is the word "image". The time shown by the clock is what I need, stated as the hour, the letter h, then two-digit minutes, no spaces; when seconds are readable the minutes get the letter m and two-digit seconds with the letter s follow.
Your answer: 4h11
